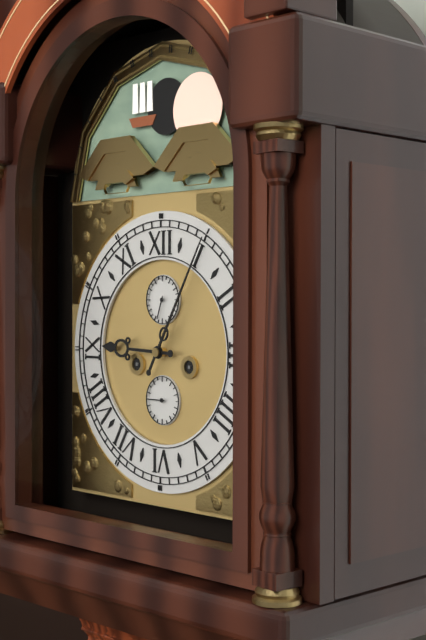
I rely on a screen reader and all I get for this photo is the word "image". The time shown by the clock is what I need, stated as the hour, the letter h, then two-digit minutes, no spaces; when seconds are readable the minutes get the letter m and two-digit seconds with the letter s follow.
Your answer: 9h05
